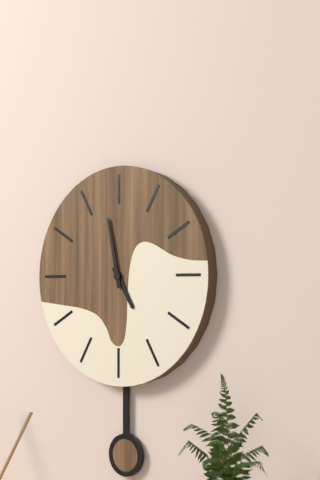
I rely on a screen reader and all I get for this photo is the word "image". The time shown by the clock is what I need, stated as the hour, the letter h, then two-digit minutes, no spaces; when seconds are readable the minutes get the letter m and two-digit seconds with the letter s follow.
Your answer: 4h58
